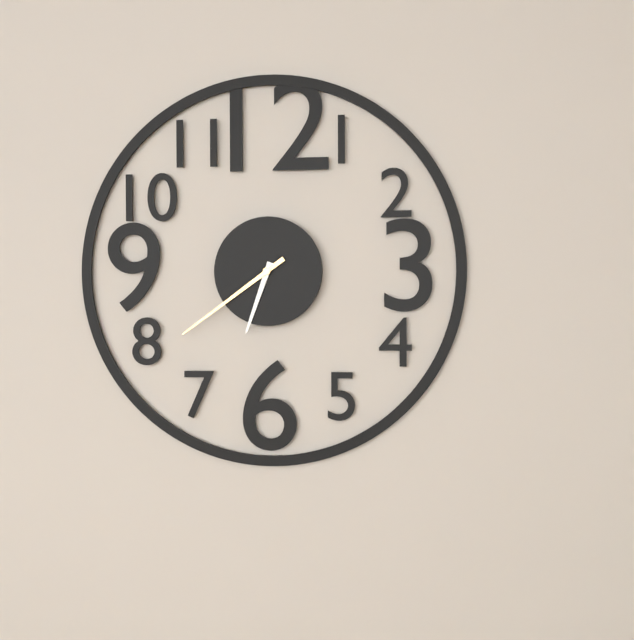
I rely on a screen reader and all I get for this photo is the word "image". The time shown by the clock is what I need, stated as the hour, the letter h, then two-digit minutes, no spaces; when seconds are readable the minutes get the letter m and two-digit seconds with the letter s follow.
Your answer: 6h39
